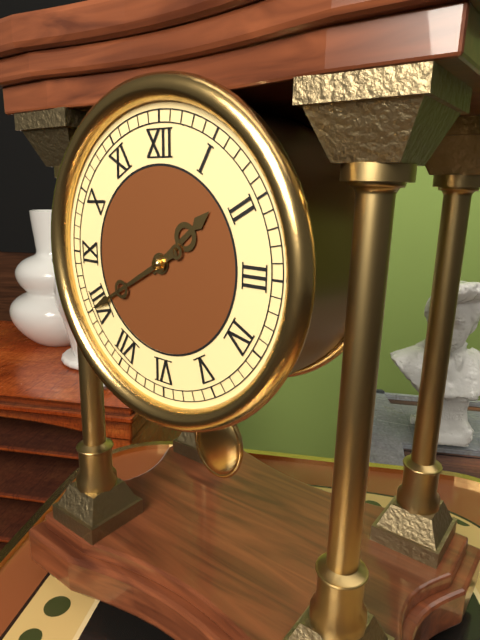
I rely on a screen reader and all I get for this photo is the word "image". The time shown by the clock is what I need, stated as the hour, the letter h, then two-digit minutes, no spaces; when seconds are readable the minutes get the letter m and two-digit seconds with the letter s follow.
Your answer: 1h40
